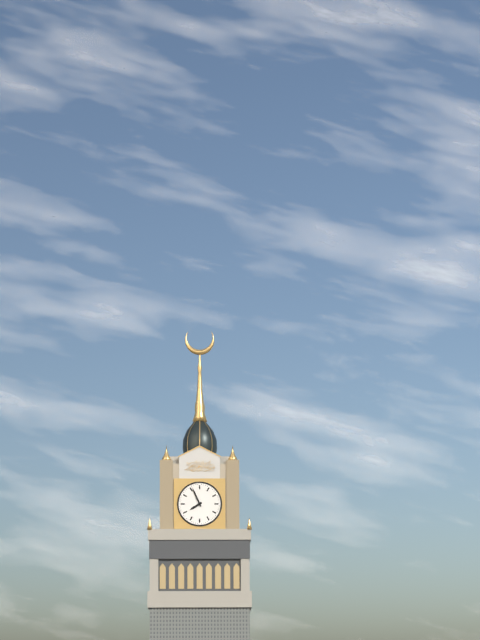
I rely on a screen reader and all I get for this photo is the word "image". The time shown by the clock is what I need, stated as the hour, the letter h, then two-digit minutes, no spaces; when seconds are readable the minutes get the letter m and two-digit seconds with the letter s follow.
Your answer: 7h56
